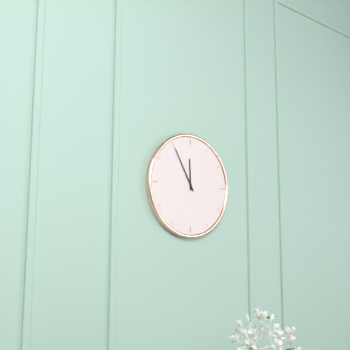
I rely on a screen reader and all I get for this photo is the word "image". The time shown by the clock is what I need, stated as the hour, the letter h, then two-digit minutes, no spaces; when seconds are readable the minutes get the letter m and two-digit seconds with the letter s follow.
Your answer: 11h55
